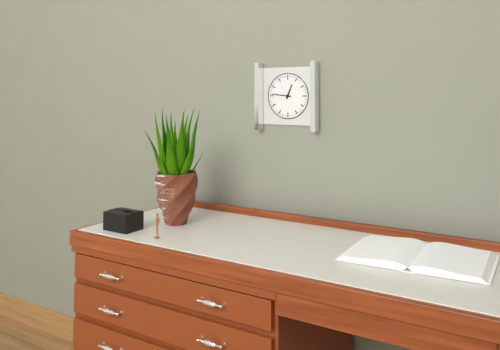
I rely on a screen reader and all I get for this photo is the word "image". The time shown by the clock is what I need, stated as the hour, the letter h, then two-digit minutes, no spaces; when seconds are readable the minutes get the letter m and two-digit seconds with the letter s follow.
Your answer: 12h46
